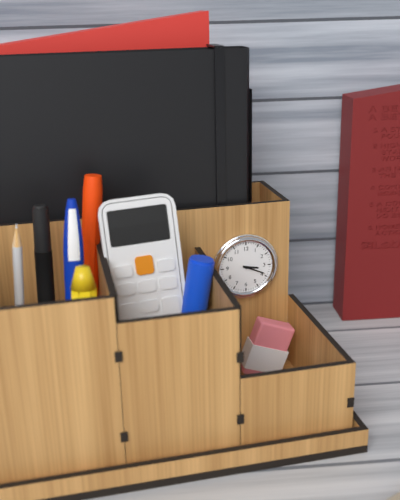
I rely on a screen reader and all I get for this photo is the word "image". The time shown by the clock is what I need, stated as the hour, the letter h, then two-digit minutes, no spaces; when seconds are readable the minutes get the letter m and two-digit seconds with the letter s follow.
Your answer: 3h19
